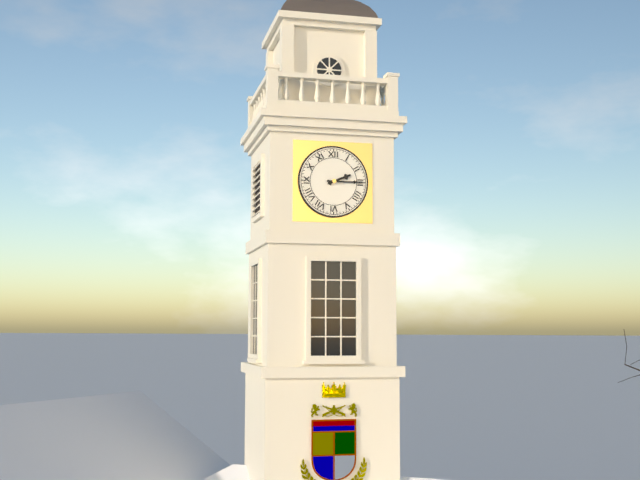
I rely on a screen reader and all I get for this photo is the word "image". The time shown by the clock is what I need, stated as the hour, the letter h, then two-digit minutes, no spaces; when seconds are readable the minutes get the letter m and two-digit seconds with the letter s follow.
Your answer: 2h15
